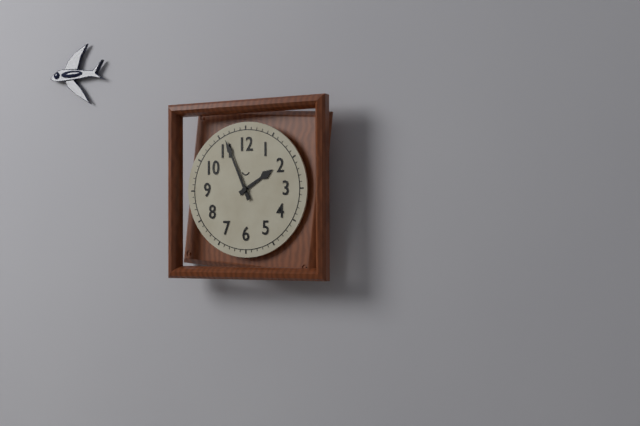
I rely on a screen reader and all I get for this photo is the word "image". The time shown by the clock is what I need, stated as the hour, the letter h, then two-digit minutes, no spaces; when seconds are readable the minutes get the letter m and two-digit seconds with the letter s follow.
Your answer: 1h56
